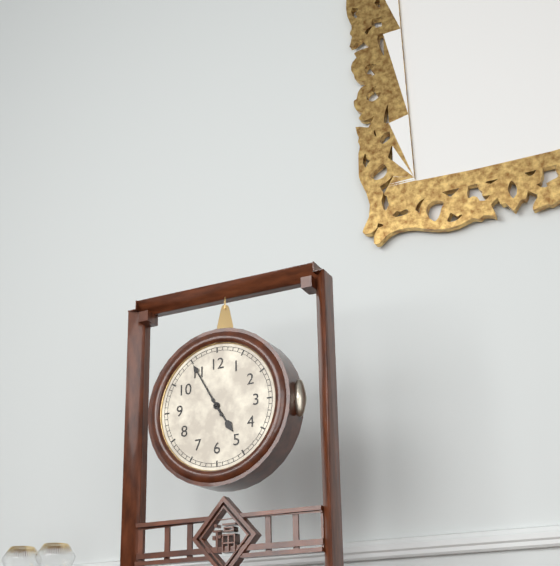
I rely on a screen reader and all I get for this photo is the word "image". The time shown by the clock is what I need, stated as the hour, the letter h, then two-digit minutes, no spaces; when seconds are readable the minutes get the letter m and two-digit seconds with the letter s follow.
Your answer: 4h55
